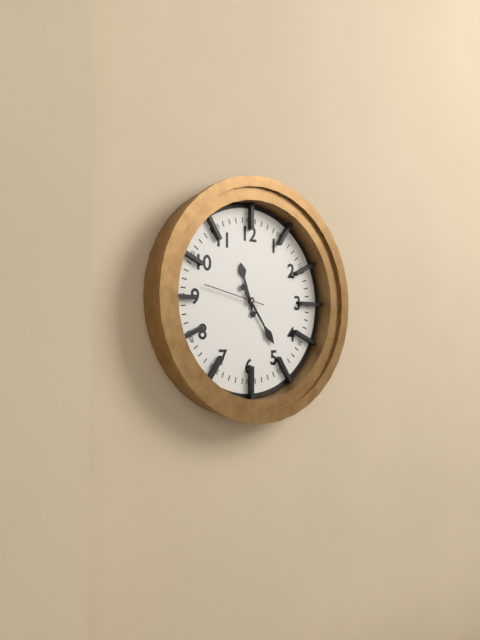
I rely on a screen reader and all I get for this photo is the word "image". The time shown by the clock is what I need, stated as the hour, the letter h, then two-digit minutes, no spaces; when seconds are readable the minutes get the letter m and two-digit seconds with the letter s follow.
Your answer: 11h24m47s
